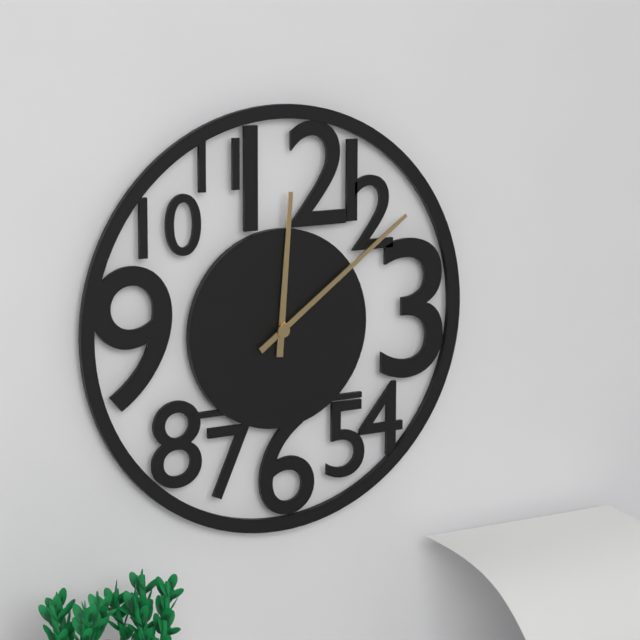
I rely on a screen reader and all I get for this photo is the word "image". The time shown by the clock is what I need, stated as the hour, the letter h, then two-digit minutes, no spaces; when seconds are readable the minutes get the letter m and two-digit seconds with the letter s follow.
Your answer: 12h09
